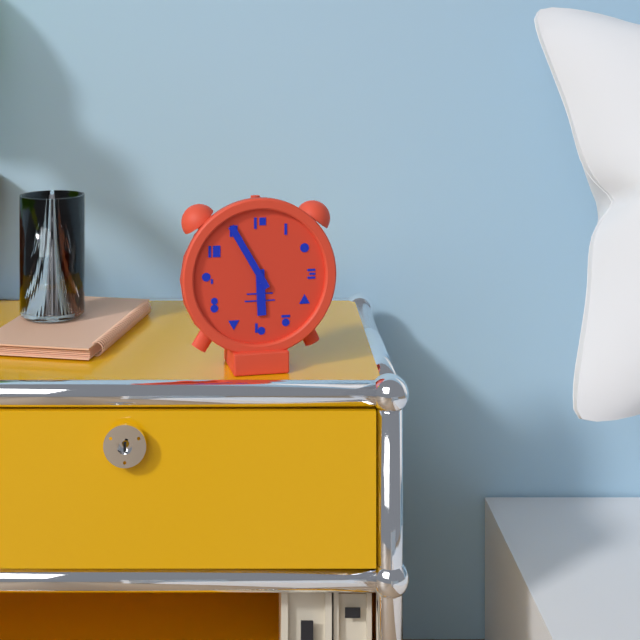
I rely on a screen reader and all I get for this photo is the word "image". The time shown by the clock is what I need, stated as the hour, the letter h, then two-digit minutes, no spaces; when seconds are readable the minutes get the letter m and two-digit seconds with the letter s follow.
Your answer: 5h55
